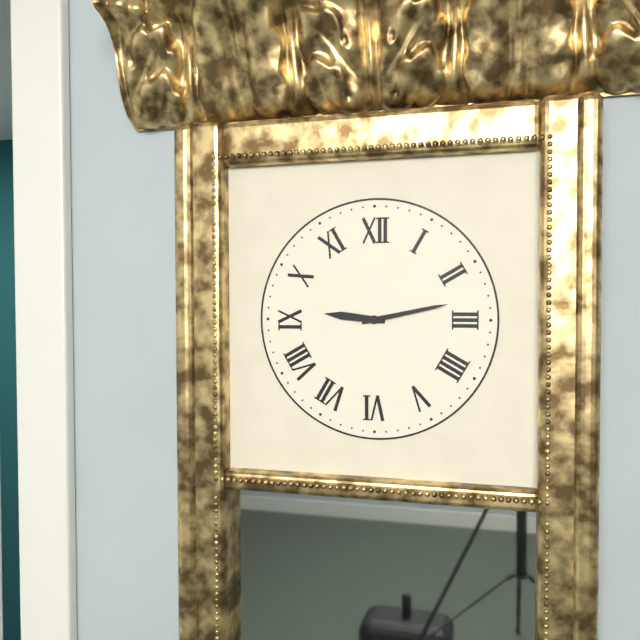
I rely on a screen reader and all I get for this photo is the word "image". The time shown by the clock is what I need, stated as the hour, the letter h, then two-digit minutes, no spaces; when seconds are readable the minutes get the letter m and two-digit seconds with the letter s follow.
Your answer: 9h13
